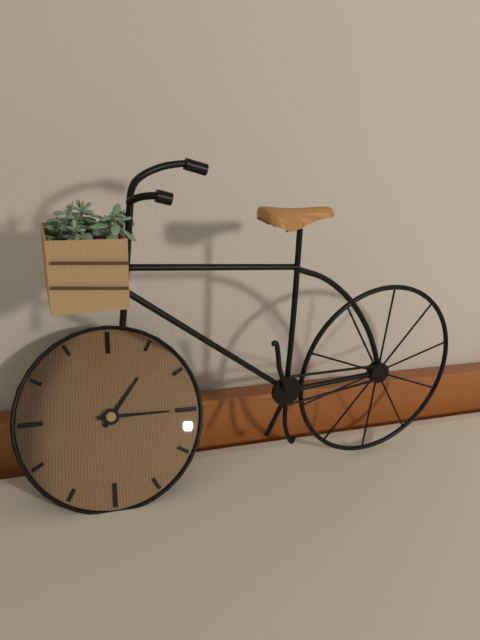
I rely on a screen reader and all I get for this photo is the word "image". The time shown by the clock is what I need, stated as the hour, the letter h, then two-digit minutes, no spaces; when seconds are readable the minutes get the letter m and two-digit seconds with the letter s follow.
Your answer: 1h15
